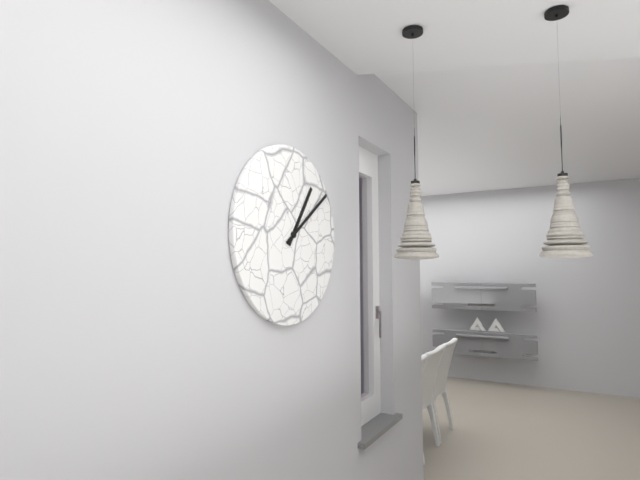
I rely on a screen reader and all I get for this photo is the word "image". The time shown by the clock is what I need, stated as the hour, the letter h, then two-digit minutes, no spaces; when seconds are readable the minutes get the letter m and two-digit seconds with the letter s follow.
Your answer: 1h09
